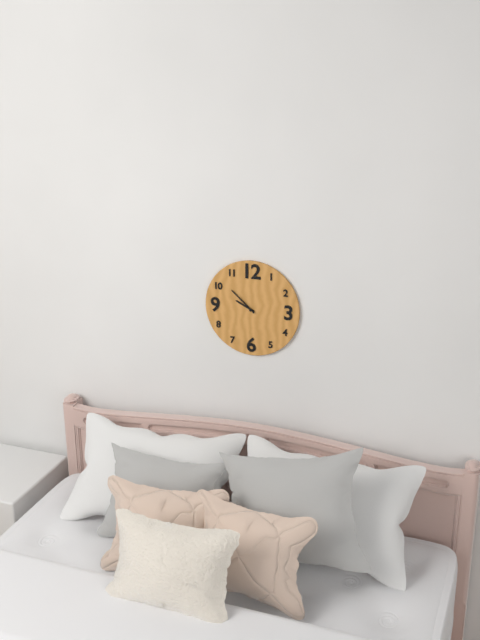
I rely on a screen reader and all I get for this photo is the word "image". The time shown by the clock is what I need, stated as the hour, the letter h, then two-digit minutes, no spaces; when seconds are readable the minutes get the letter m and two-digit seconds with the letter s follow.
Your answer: 9h52
